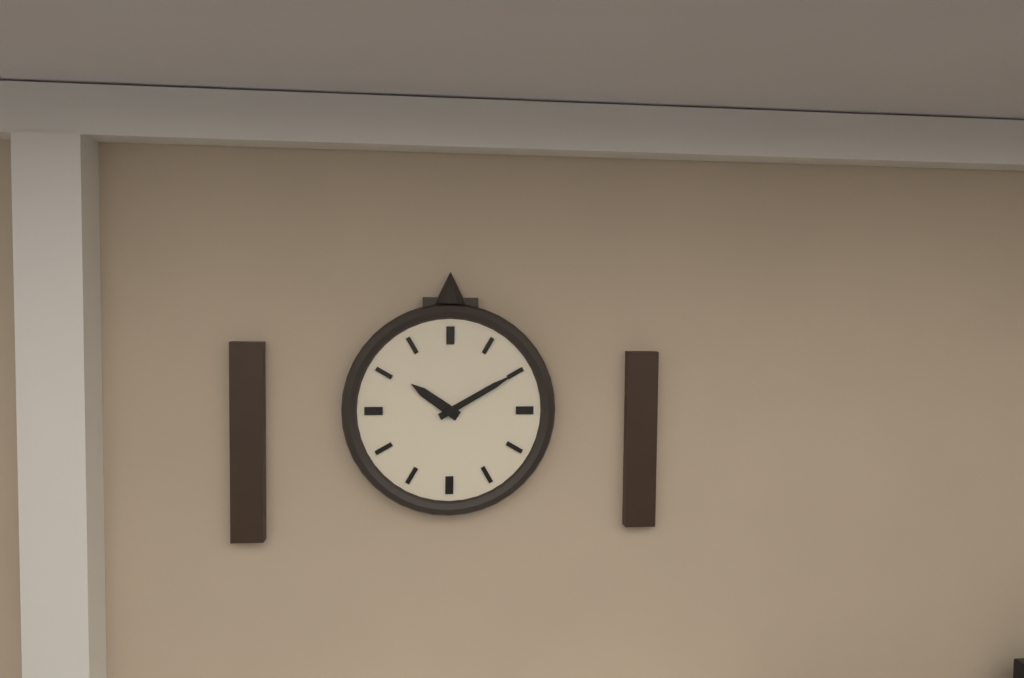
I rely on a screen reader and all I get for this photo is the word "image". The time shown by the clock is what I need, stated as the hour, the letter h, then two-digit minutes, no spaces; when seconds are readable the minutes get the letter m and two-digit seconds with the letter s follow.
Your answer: 10h10
